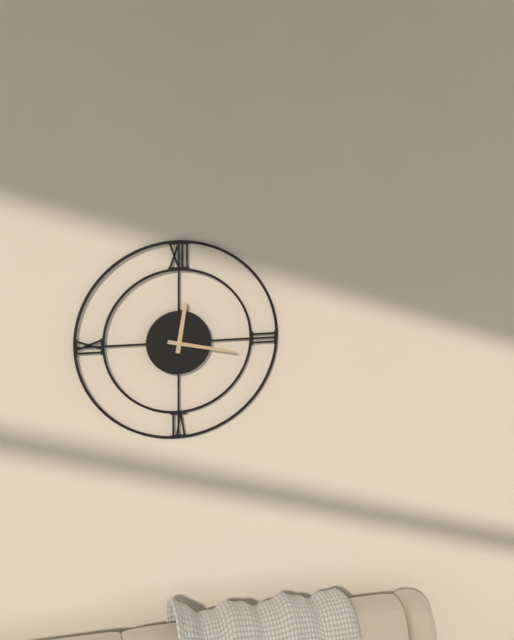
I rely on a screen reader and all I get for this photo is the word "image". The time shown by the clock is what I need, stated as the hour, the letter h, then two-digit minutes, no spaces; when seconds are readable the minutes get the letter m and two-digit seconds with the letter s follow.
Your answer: 12h17
